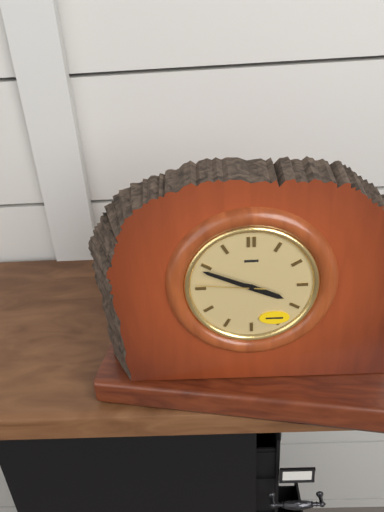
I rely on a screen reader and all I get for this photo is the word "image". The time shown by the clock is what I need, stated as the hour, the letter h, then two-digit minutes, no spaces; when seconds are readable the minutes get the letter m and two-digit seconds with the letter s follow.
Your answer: 3h49m46s
